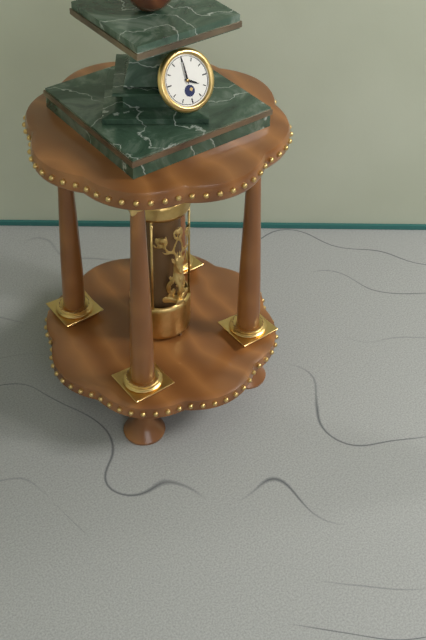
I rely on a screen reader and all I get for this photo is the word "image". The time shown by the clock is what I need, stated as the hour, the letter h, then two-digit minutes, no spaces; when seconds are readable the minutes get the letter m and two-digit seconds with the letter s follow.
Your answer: 4h00
